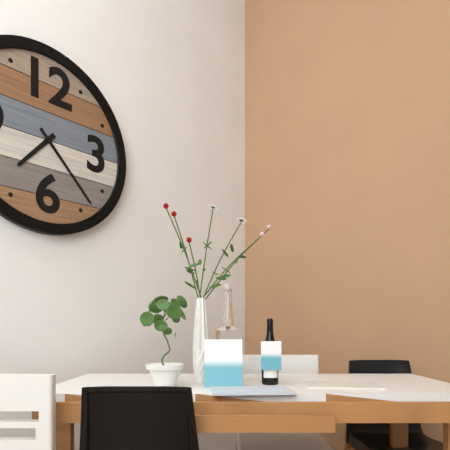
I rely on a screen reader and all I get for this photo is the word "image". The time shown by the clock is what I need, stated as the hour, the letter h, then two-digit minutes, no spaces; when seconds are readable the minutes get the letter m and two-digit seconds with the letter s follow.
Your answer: 7h23
